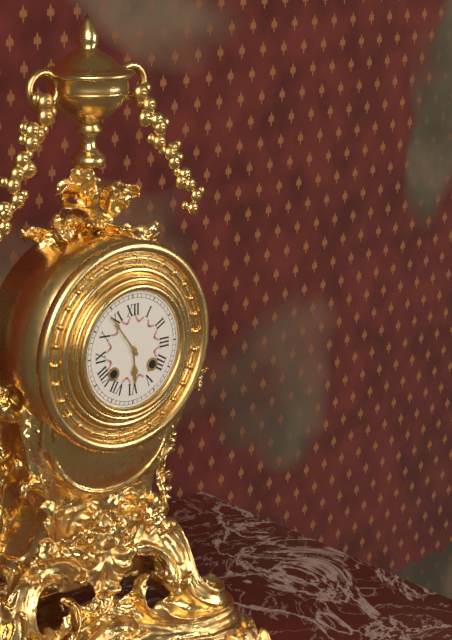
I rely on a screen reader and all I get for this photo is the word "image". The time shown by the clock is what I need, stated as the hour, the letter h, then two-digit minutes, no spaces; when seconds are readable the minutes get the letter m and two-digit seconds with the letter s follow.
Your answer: 5h54
